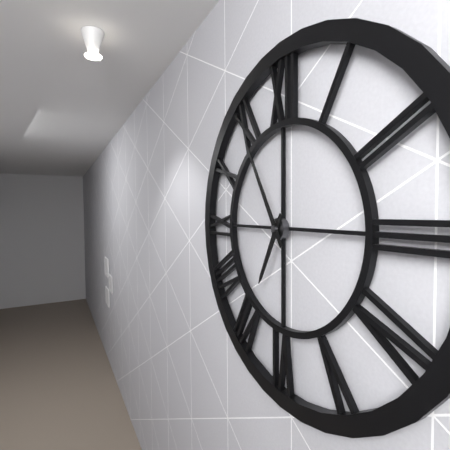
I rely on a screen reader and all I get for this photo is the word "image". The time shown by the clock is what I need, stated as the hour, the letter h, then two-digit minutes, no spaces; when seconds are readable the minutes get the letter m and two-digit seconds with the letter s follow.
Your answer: 6h55
